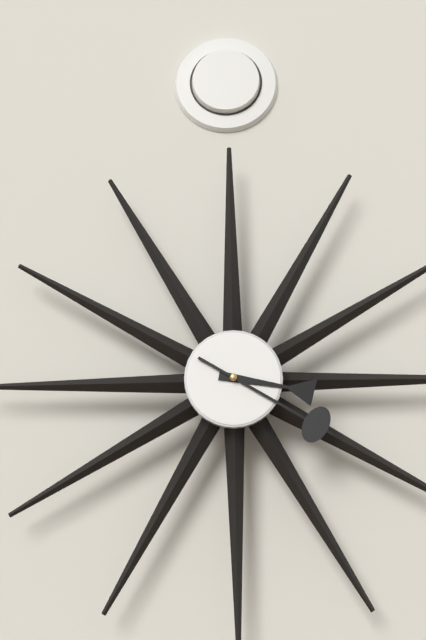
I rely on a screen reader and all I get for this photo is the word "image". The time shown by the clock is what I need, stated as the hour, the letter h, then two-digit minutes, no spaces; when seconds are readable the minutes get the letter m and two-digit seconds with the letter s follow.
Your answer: 3h20
